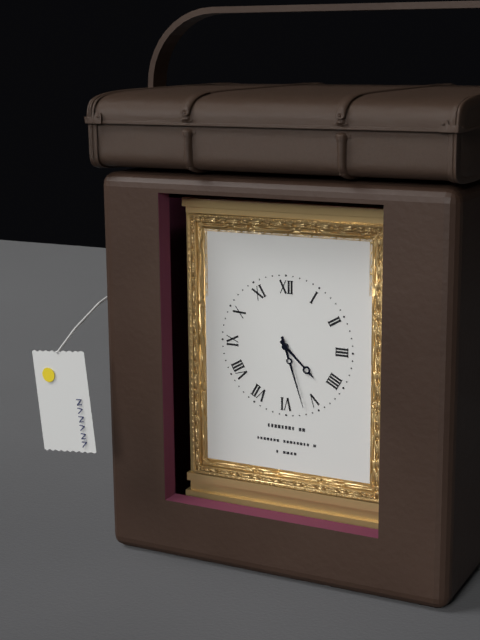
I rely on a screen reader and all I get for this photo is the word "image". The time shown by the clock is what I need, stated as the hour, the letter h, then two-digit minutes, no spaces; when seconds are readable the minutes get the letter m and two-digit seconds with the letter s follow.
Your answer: 4h27
